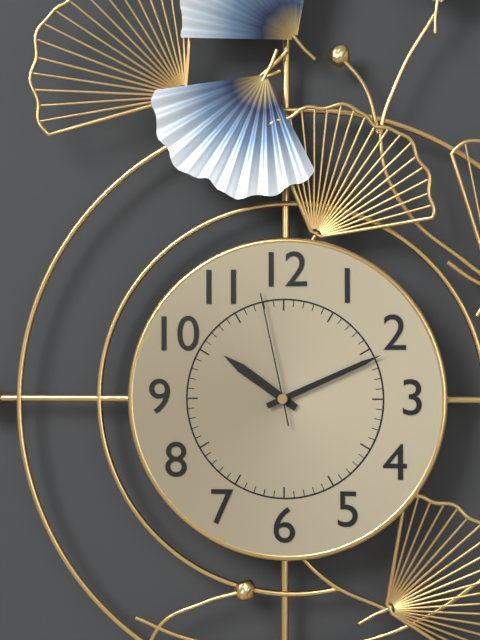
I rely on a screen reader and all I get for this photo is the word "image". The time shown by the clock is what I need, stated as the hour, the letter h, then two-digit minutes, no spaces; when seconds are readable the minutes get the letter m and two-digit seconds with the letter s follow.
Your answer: 10h11m58s
